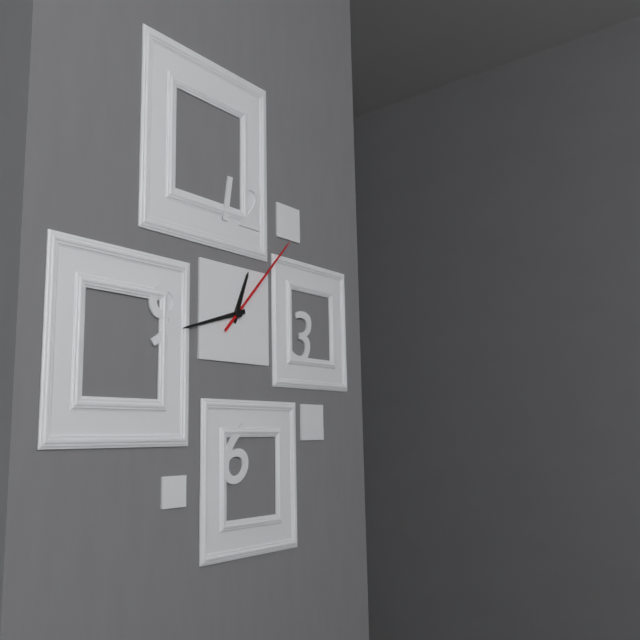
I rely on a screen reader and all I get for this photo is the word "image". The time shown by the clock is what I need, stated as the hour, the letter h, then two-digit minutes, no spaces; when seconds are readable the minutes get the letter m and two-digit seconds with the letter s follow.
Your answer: 12h42m07s
